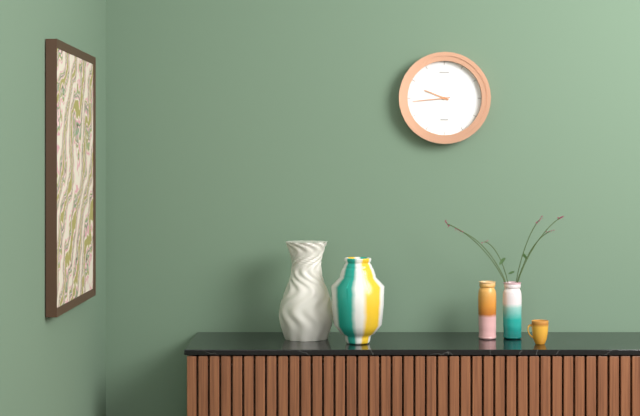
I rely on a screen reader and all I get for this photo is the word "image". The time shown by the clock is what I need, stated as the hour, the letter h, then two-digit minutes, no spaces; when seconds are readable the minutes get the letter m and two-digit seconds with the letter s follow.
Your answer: 9h44
